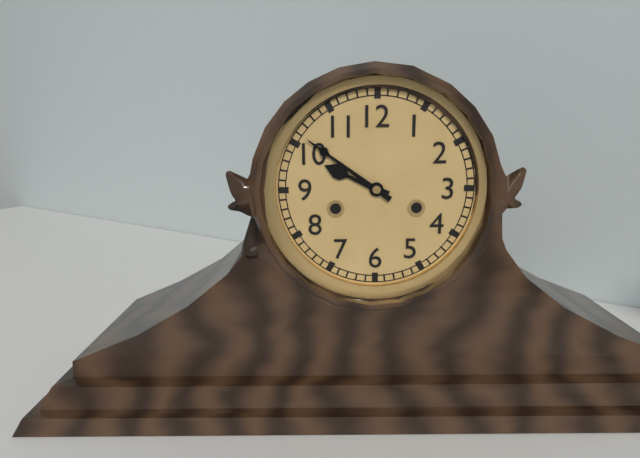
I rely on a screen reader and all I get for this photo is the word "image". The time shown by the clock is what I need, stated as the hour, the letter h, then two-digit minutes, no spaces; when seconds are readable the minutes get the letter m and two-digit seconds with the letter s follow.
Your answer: 9h51
